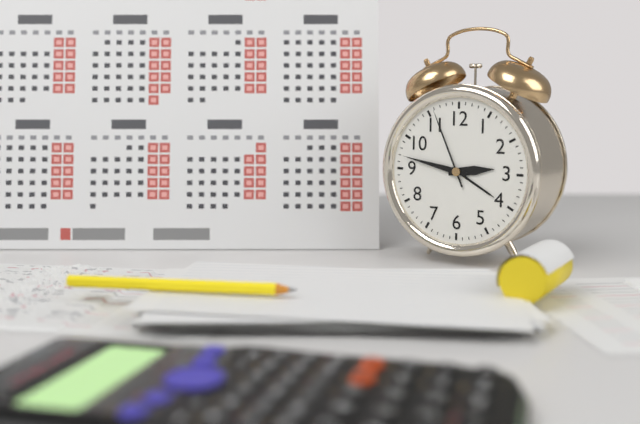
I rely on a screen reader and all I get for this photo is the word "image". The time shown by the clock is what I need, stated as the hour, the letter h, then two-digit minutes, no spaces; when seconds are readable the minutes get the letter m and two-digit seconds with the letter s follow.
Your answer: 2h47m56s
